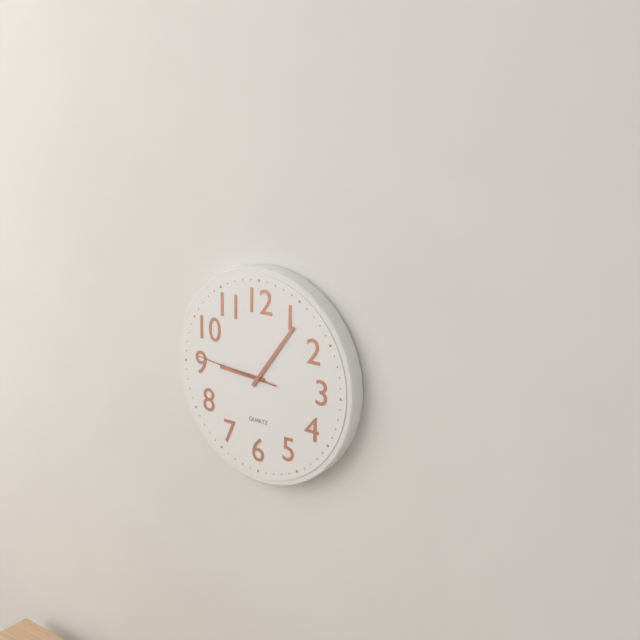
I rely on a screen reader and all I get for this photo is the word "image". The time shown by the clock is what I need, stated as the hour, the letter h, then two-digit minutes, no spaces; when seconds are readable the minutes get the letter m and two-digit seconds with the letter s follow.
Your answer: 9h06m46s
